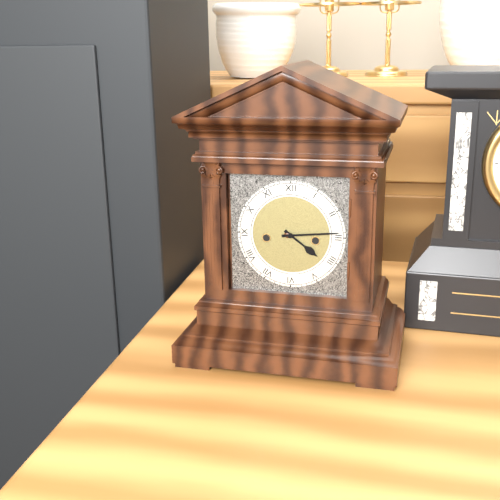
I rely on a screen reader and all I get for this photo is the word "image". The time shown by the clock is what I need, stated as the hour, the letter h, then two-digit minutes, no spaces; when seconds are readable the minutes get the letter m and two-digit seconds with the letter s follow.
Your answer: 4h14
